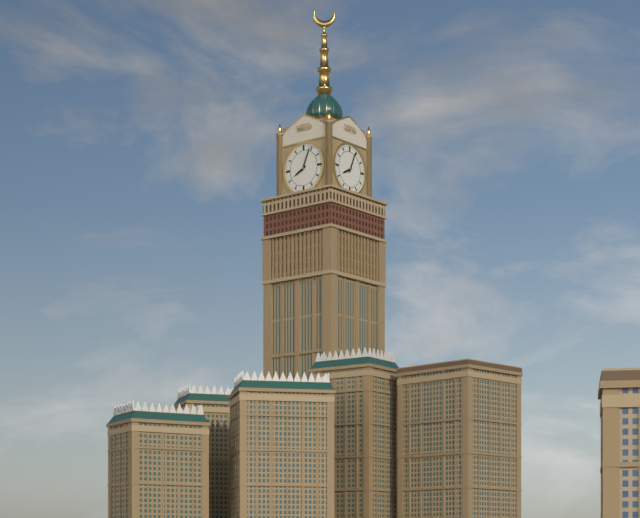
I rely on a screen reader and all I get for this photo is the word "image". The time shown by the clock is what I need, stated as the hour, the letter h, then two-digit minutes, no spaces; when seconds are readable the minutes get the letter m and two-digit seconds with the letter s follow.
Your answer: 8h04
